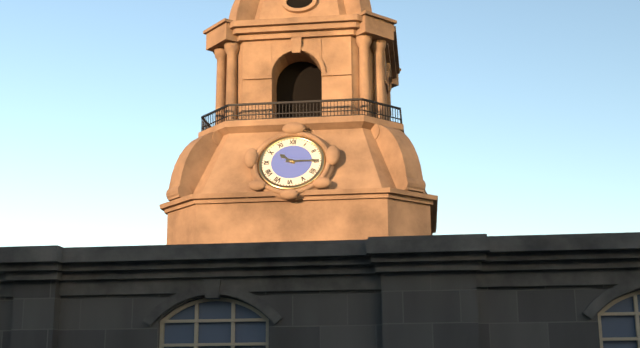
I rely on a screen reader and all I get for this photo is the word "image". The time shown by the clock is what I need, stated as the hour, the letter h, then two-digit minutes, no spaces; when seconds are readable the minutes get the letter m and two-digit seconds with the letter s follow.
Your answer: 10h15
